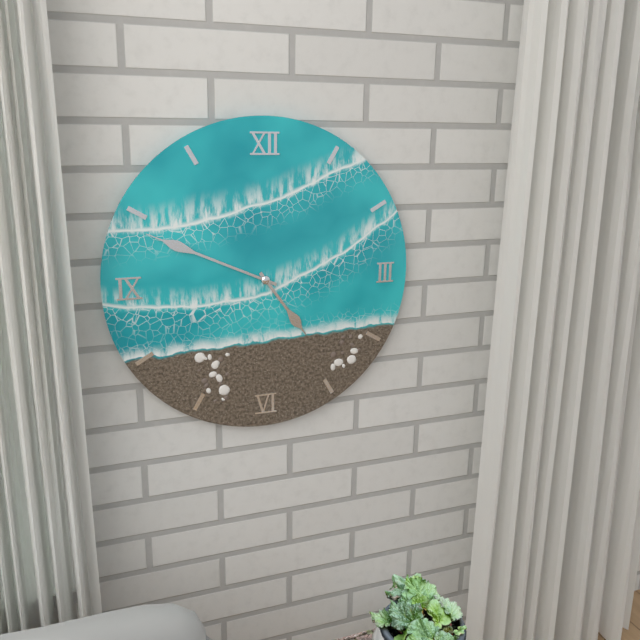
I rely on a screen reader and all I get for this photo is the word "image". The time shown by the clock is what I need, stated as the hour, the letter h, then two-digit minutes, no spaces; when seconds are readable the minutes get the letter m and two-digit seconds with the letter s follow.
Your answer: 4h49
